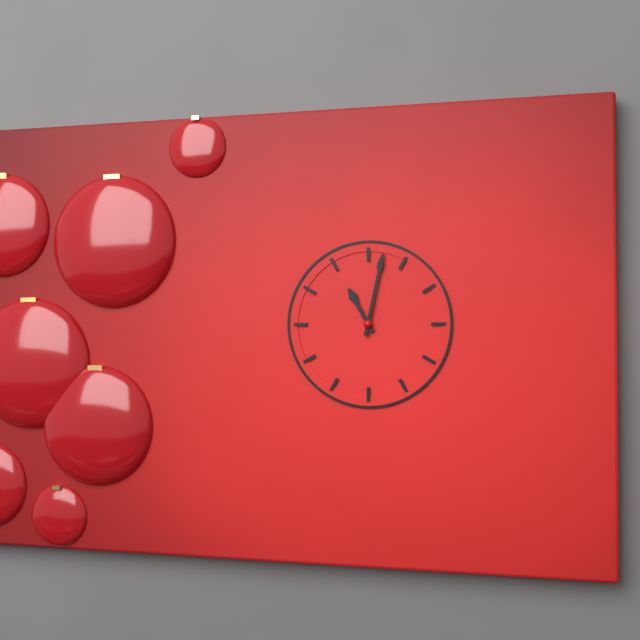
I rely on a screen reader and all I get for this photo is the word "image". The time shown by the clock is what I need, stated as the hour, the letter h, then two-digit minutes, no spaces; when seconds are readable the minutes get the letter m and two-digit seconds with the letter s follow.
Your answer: 11h02
